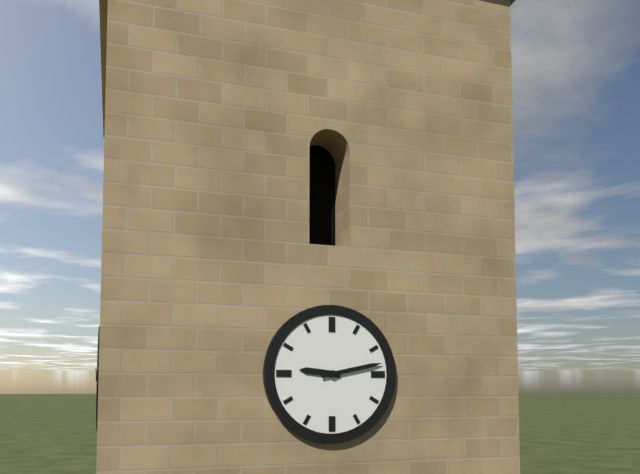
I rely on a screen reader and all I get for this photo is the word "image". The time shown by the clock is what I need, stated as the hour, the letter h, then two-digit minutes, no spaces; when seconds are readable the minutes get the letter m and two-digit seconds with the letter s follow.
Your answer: 9h13
